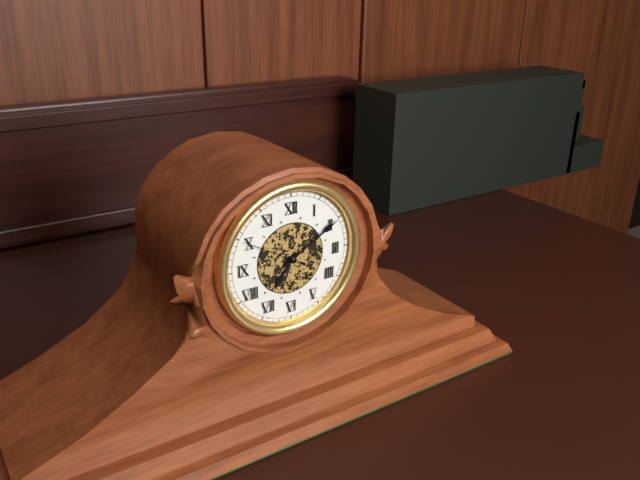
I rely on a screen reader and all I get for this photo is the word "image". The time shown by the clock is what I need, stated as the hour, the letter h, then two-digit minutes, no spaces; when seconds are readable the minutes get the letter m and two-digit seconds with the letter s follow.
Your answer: 7h10m50s
